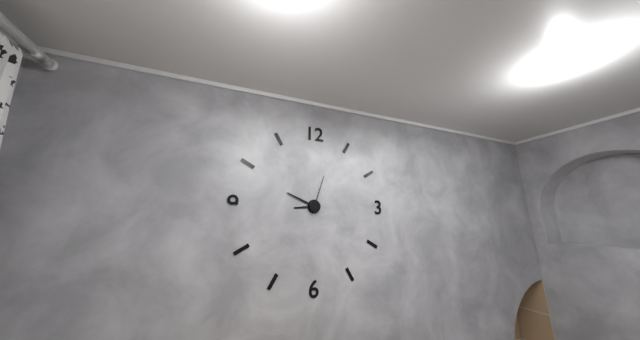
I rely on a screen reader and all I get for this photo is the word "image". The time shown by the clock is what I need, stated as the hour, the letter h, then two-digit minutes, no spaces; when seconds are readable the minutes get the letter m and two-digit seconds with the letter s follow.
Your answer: 8h49
